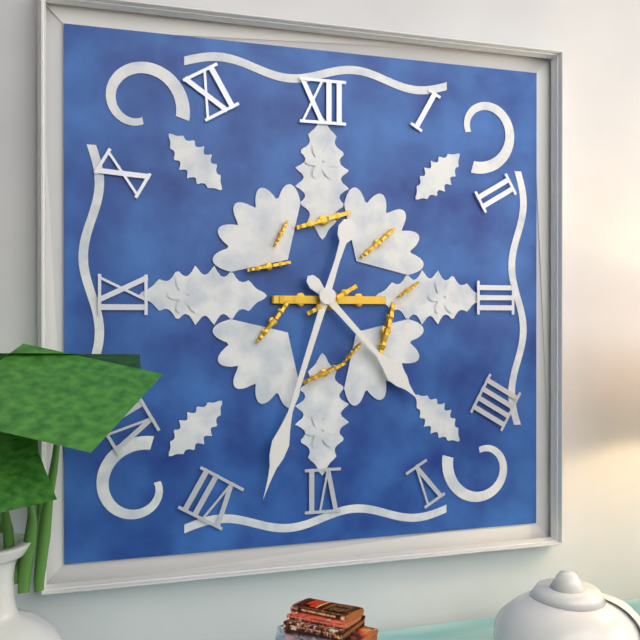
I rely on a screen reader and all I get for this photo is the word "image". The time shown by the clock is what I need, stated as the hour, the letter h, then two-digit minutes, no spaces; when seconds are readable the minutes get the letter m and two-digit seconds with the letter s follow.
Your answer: 4h33
